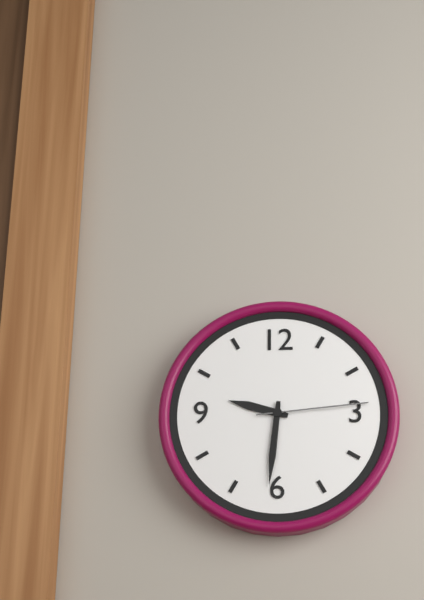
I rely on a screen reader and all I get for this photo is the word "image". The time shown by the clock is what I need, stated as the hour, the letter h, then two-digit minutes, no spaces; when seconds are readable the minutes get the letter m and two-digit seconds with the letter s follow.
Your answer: 9h31m14s
